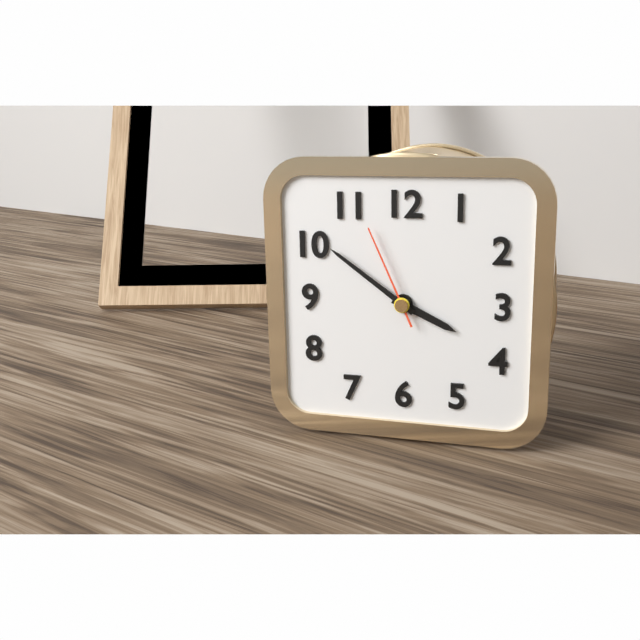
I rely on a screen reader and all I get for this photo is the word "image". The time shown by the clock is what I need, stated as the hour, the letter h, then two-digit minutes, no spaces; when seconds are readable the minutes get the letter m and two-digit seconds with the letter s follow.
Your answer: 3h51m56s
